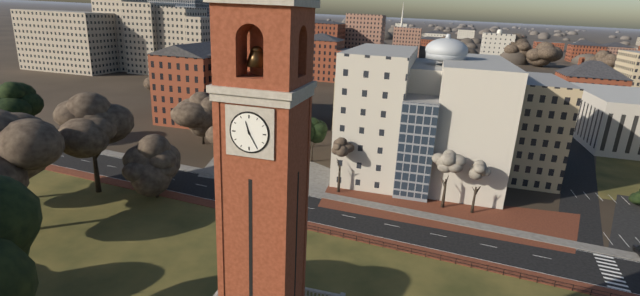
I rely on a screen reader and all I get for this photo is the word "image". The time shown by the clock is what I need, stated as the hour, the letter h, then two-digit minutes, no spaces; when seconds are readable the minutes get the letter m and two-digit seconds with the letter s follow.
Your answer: 11h25
